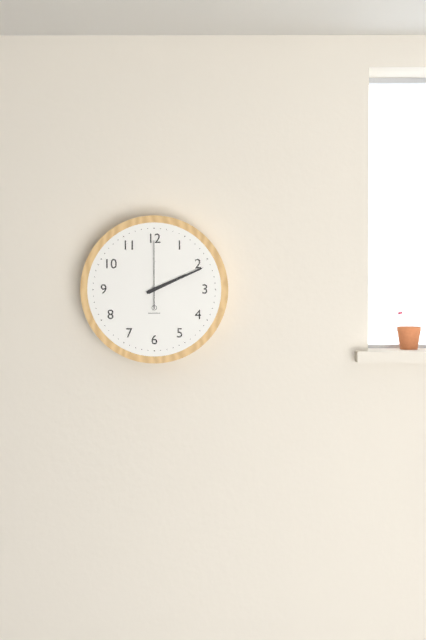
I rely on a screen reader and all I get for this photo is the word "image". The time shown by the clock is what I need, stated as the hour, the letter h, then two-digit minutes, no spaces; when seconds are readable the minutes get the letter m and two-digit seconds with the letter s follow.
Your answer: 2h11m00s
